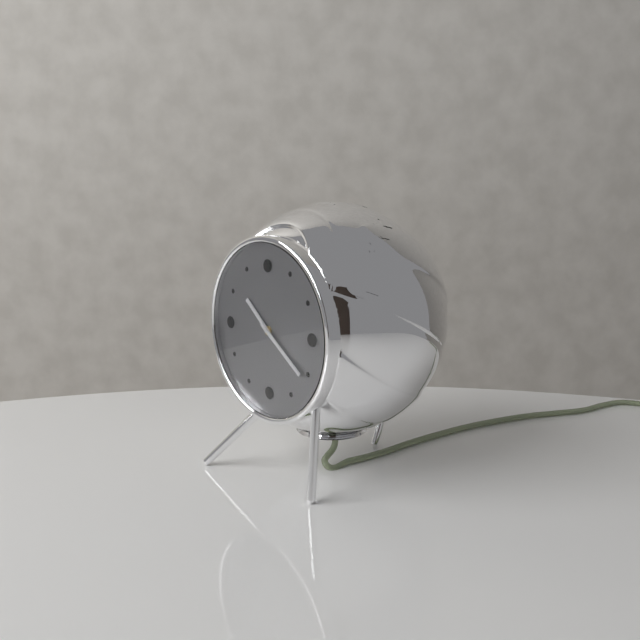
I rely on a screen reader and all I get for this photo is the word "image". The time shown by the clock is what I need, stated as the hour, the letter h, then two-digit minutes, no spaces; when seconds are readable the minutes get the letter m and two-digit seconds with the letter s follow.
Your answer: 10h21
